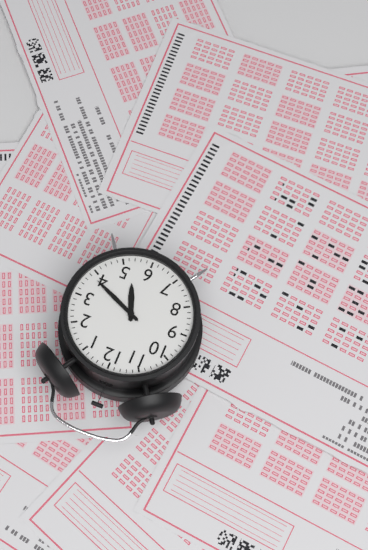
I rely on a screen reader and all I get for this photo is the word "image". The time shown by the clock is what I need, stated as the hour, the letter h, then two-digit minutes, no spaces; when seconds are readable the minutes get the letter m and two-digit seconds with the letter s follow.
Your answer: 5h19
